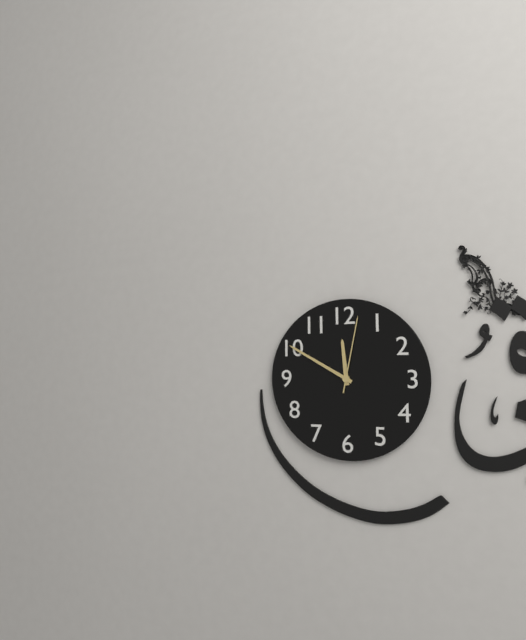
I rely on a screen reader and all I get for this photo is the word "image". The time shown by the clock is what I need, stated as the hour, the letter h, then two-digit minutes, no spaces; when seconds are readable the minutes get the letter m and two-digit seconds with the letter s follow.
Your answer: 11h50m02s
